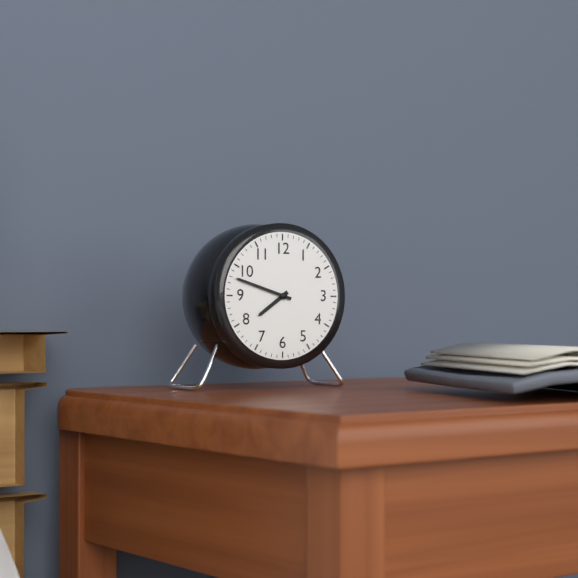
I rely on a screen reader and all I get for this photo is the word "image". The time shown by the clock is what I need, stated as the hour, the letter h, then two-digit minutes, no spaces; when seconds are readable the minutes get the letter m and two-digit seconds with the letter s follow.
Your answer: 7h48
